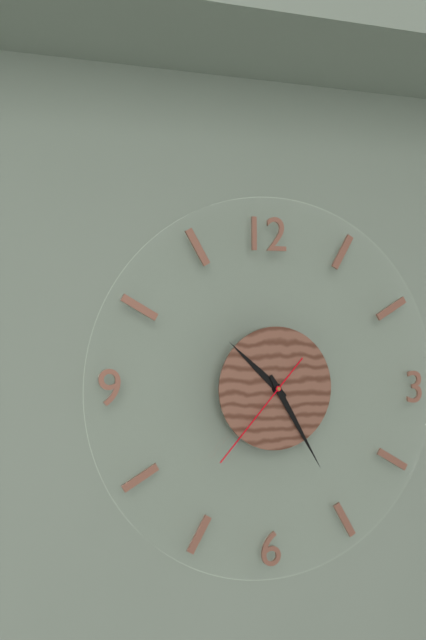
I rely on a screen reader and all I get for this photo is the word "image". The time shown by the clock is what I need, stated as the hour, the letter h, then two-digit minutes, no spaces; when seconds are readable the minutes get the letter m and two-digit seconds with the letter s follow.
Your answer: 10h25m37s
